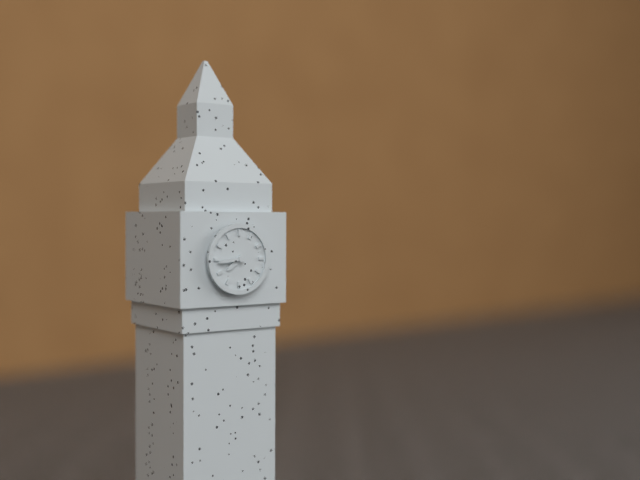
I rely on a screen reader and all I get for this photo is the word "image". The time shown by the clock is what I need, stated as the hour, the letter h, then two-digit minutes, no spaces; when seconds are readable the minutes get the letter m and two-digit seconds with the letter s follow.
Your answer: 7h44
